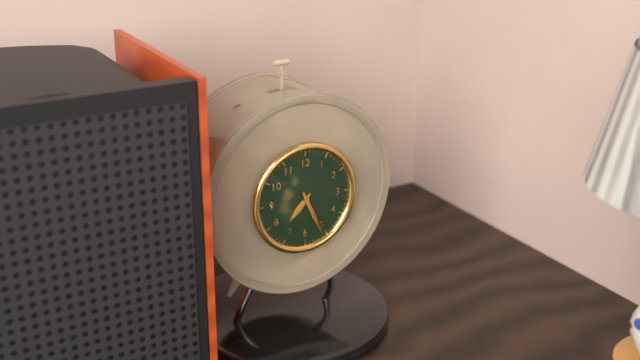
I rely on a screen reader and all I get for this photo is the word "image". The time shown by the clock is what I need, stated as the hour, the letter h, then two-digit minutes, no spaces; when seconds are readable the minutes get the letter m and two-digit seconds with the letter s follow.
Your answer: 7h26
